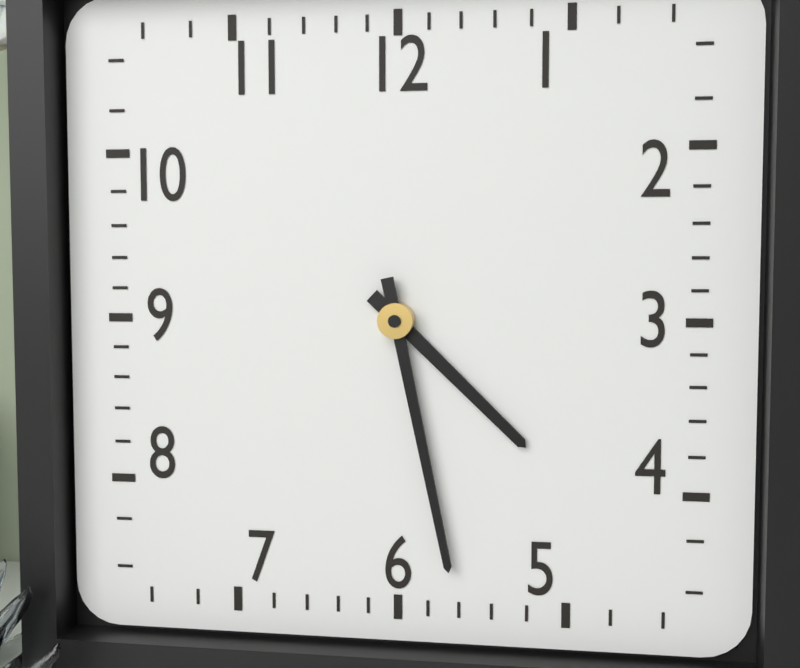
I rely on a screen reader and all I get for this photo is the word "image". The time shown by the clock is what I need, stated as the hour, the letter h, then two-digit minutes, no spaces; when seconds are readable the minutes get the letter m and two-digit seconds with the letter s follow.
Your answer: 4h28
